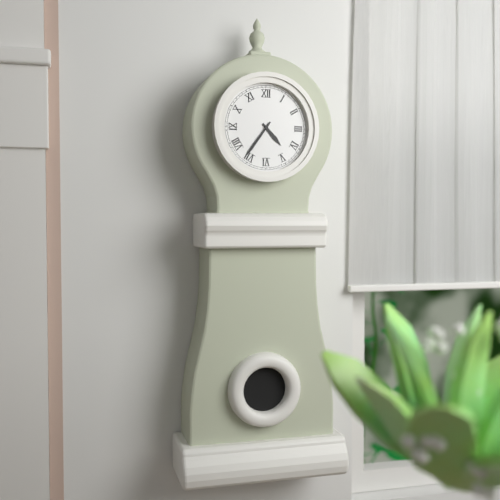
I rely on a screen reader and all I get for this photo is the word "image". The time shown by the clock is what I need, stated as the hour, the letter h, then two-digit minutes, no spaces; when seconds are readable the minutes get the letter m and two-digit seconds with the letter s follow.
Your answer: 4h36
